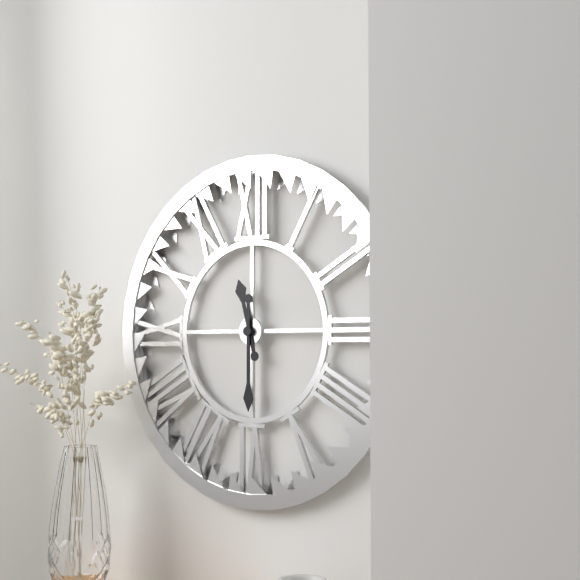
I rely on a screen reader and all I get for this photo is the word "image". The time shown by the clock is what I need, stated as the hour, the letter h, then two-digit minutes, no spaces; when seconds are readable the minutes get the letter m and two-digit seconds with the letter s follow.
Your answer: 11h30
